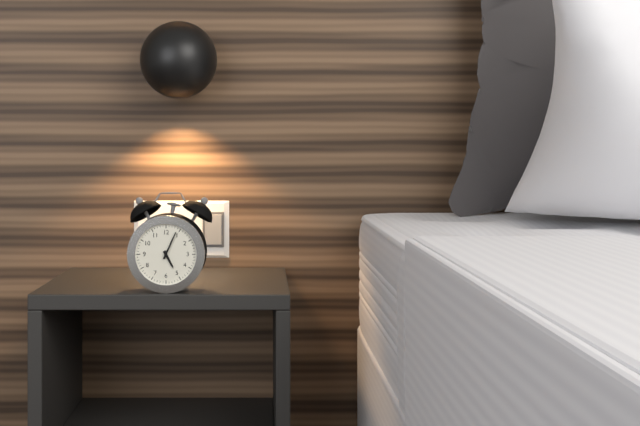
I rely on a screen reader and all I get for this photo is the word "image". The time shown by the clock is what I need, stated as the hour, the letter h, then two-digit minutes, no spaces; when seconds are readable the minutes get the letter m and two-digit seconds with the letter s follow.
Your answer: 5h04
